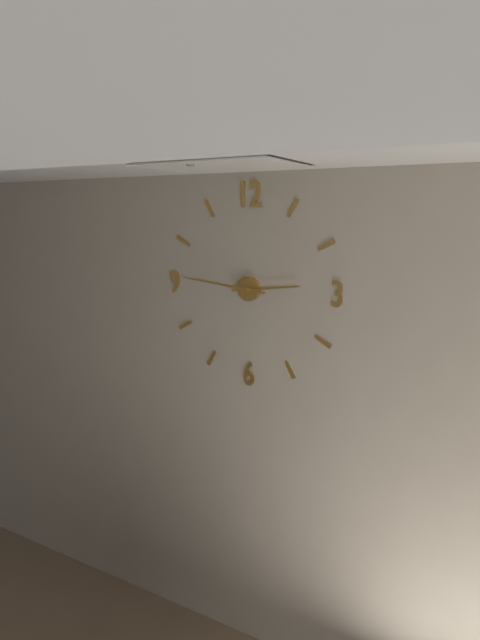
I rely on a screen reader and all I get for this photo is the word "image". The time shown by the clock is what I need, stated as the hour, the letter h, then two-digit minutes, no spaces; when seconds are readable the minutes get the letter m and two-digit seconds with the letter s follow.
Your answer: 2h46
